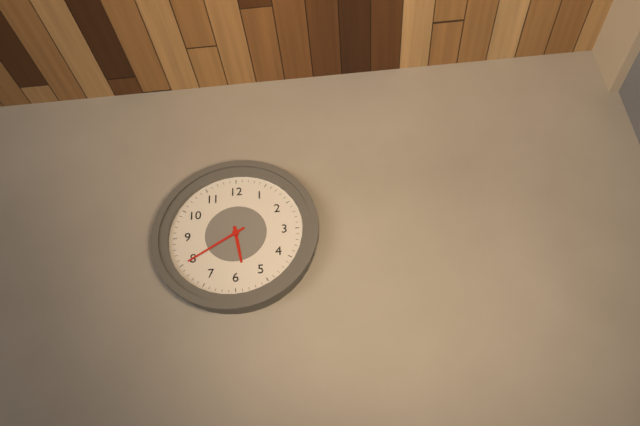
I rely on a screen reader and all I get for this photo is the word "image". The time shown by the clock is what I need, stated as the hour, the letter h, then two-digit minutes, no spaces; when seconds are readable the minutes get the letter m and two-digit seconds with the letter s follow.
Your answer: 5h40
